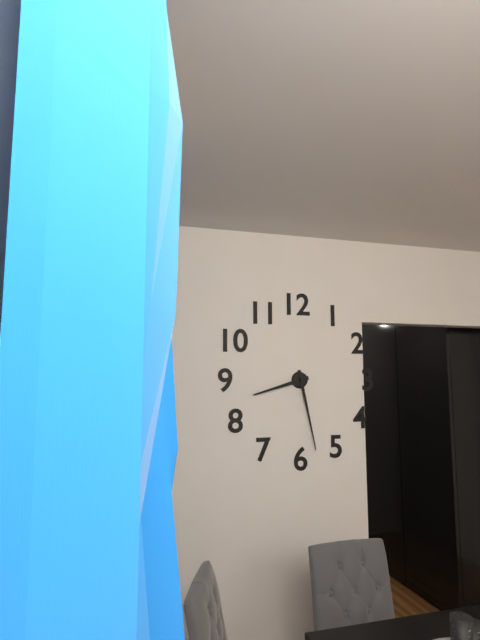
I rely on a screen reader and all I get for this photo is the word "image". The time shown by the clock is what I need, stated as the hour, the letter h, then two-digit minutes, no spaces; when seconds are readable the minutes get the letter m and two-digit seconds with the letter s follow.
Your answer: 8h28
